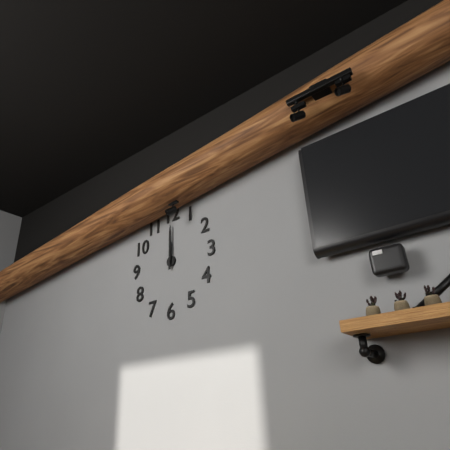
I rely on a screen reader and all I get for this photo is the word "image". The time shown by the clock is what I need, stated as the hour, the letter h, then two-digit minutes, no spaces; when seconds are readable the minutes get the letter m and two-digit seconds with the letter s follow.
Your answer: 12h00
